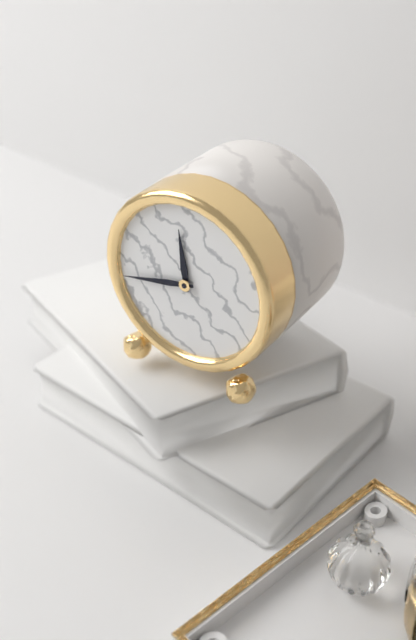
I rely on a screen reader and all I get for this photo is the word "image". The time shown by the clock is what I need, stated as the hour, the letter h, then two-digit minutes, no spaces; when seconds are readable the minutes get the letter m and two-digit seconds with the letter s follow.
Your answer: 11h43
